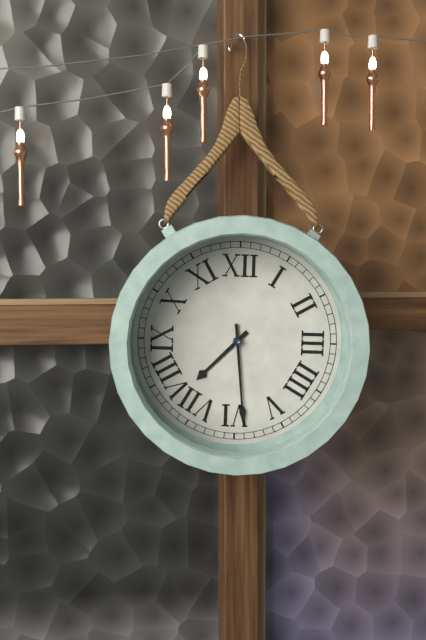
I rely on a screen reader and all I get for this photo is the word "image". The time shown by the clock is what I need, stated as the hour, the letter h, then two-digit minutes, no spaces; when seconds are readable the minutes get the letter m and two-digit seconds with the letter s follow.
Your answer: 7h29
